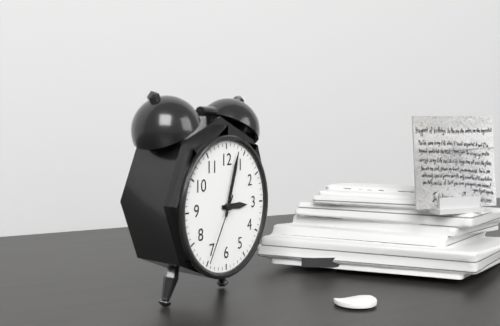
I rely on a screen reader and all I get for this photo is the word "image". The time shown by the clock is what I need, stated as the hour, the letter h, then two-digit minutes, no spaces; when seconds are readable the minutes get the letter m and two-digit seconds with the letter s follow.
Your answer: 3h03m35s
